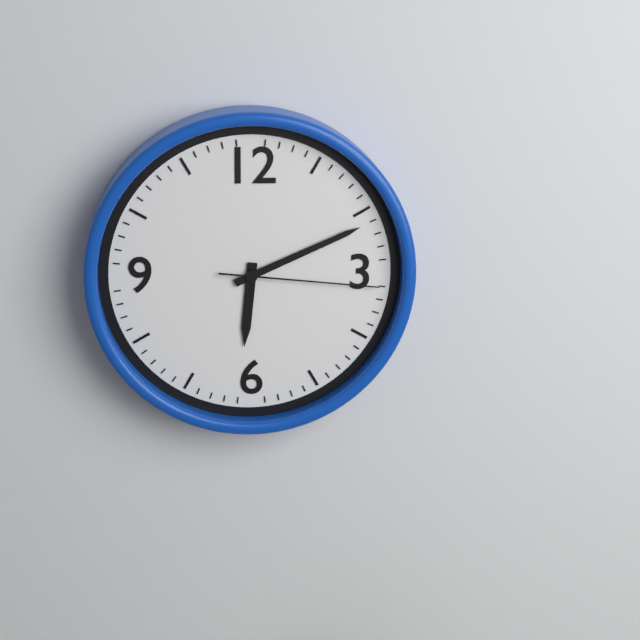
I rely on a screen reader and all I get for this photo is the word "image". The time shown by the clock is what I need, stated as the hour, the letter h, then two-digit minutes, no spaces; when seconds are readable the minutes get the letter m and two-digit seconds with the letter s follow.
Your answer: 6h11m16s
